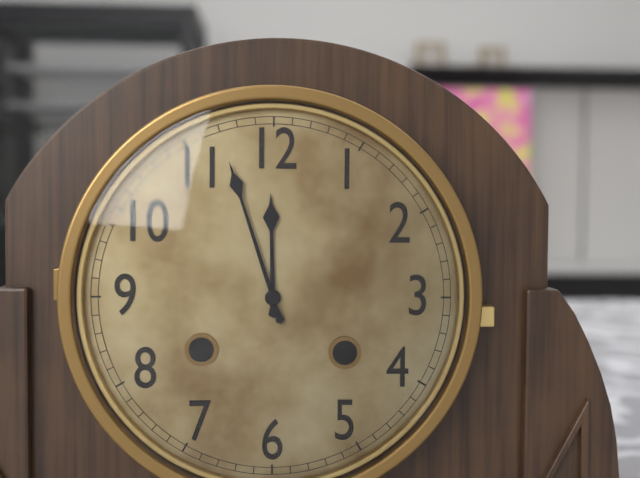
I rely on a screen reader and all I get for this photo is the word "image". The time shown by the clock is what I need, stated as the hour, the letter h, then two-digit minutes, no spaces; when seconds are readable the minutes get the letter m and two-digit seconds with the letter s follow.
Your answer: 11h57
